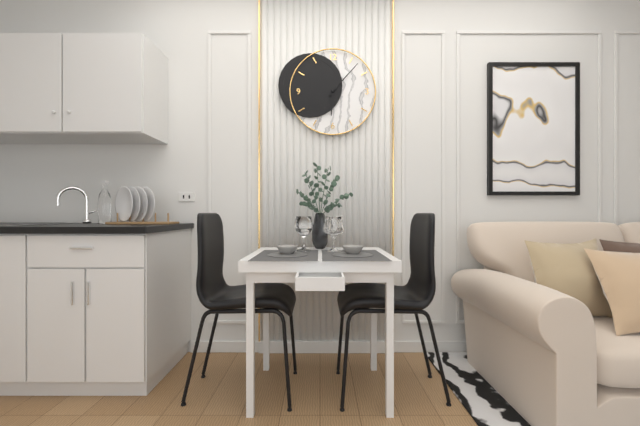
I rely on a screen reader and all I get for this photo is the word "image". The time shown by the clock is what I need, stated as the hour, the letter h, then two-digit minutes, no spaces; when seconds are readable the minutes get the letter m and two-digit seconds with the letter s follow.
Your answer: 6h07
